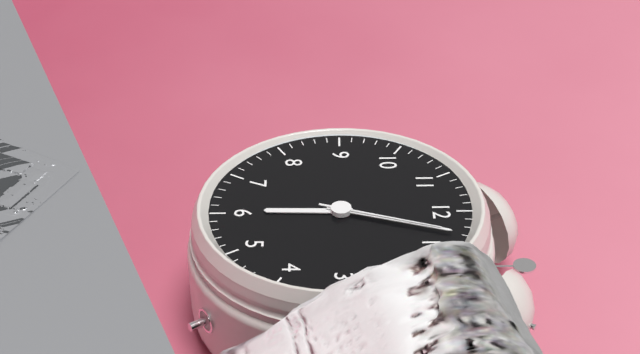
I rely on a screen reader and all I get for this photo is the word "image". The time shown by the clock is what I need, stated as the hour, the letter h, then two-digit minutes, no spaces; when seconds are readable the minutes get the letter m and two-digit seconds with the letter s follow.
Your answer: 6h03m03s
